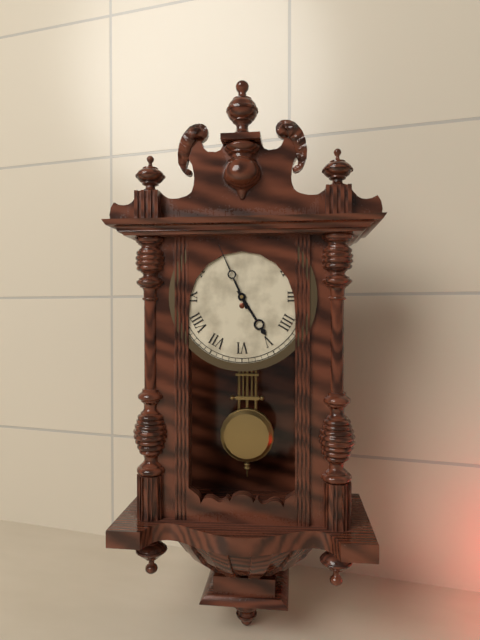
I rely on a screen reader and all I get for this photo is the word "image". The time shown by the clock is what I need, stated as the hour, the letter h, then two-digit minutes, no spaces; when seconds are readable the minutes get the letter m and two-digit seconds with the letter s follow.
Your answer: 4h56
